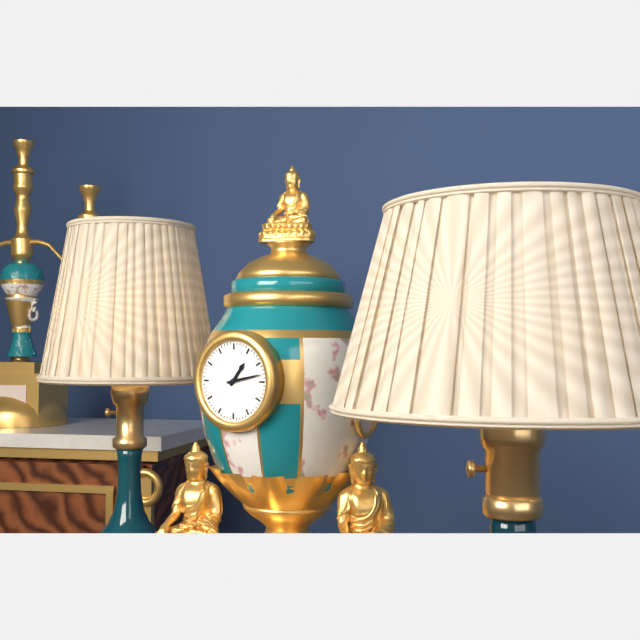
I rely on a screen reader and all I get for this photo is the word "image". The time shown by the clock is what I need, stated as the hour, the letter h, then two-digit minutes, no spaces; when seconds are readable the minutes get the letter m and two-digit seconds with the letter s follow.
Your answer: 1h13
